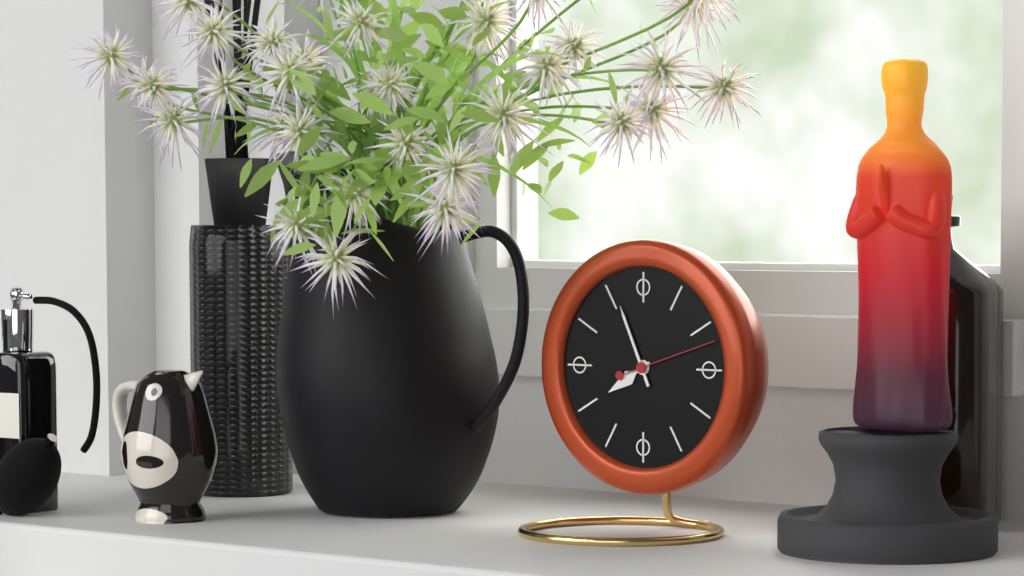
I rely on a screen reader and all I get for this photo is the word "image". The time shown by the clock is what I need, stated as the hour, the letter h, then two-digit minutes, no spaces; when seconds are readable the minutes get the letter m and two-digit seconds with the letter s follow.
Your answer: 7h56m12s
